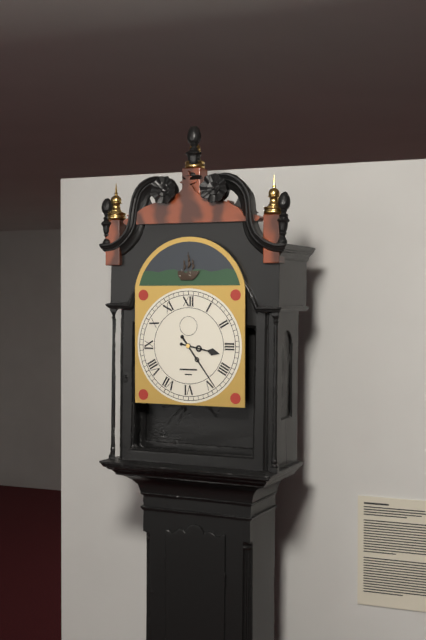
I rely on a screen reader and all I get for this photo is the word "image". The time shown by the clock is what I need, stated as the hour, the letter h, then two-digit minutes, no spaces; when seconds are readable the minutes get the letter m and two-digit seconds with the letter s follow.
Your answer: 3h24
